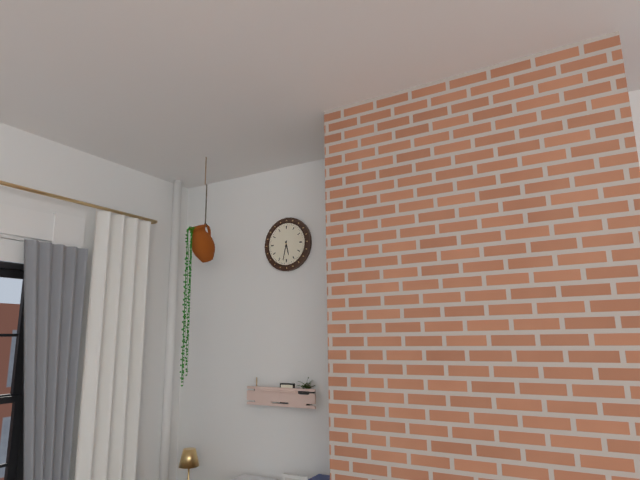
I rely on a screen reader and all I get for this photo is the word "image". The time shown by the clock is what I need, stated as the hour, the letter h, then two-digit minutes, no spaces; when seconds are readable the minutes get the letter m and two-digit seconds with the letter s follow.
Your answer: 5h32
